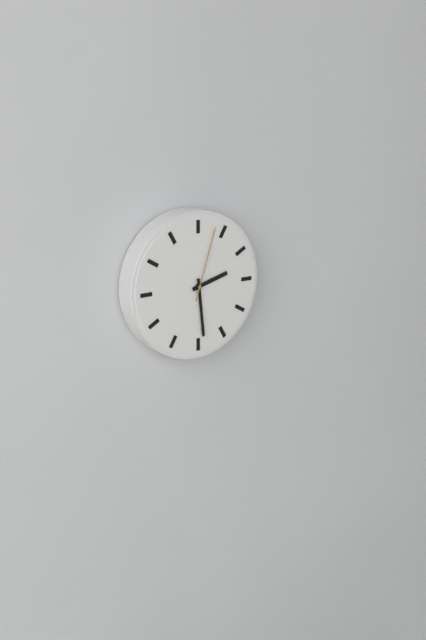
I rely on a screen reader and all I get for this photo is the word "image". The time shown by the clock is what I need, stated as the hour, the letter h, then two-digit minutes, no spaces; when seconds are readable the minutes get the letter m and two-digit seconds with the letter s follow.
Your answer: 2h29m03s
